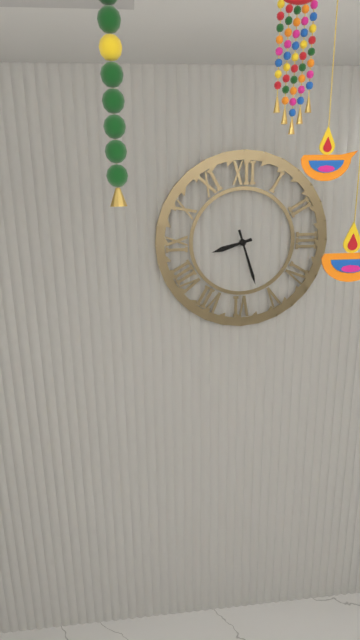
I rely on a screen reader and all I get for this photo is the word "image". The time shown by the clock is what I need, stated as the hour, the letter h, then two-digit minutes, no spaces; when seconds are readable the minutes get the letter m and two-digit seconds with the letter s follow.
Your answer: 8h27
